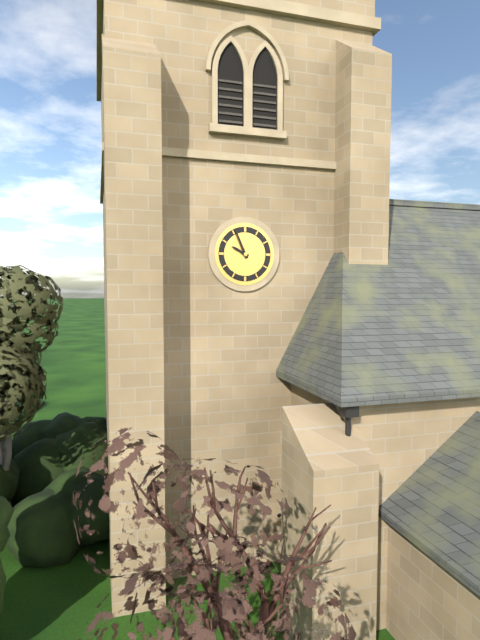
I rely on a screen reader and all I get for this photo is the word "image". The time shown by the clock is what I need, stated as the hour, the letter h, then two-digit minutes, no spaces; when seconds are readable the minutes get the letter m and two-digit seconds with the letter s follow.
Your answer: 9h56
